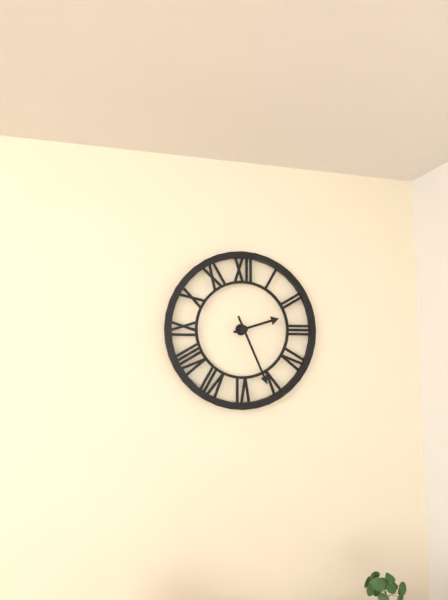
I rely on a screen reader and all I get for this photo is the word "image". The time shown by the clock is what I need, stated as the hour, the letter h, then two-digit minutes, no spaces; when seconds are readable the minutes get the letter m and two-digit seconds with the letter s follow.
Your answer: 2h26
